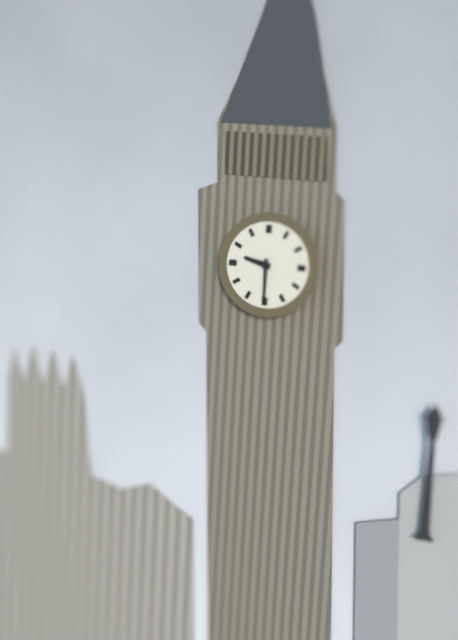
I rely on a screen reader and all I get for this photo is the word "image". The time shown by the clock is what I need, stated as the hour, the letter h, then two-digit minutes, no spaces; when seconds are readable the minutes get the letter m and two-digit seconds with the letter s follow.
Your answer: 9h30
